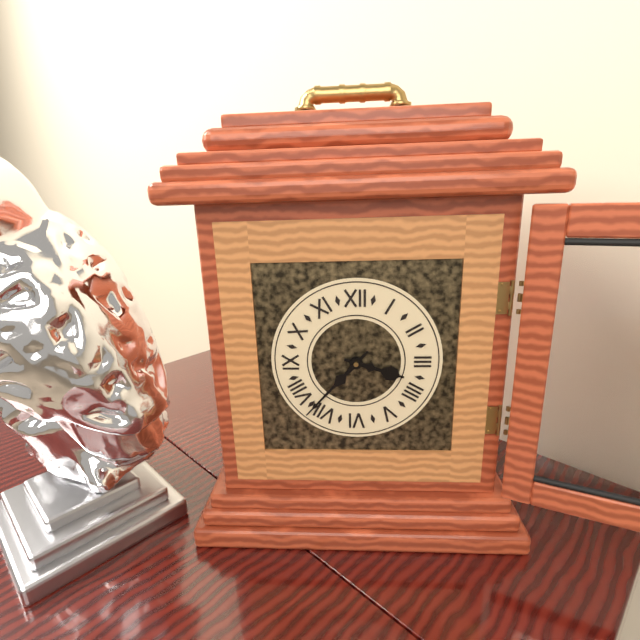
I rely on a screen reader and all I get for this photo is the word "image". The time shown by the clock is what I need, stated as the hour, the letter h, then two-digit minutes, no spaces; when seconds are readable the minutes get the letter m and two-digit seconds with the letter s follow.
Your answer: 3h37
